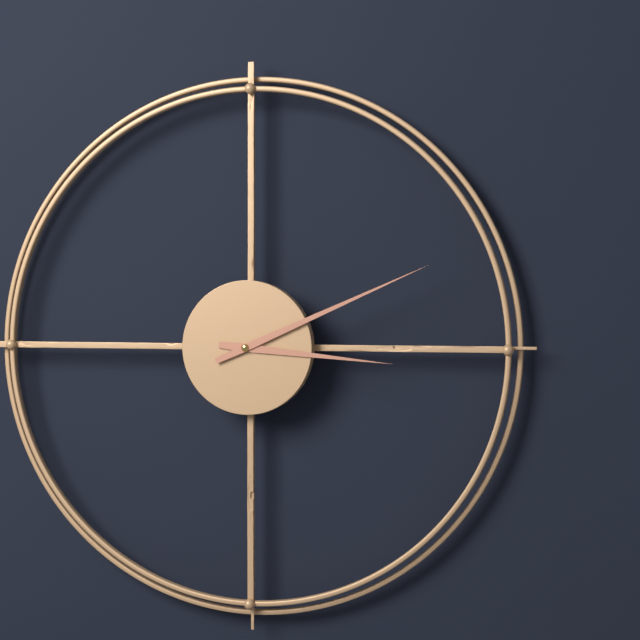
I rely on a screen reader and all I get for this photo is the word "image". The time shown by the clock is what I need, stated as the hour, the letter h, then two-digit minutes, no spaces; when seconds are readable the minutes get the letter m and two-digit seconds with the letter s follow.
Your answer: 3h11
